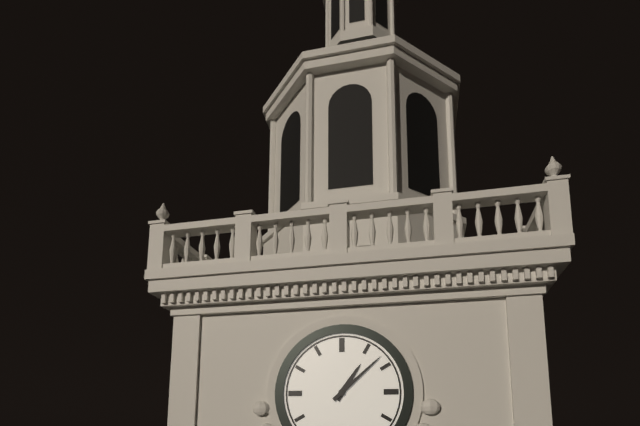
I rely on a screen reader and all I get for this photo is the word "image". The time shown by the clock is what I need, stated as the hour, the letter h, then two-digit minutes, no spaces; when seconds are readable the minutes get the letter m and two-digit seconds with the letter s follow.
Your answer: 1h08
